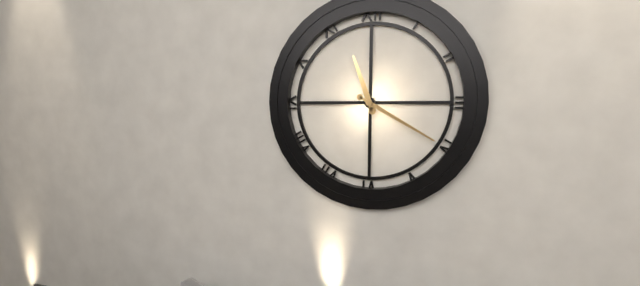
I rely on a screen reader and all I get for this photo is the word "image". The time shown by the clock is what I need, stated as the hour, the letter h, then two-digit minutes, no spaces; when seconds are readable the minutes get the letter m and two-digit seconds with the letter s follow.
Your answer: 11h20
